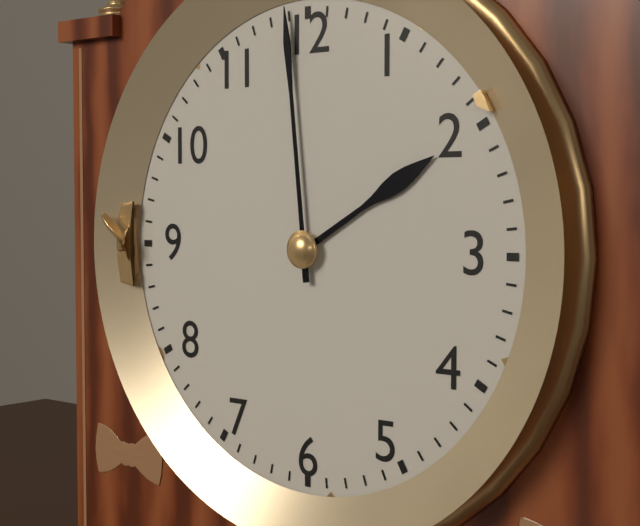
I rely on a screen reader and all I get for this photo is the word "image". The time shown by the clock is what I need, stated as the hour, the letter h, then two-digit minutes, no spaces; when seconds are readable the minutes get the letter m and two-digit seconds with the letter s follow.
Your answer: 1h59
